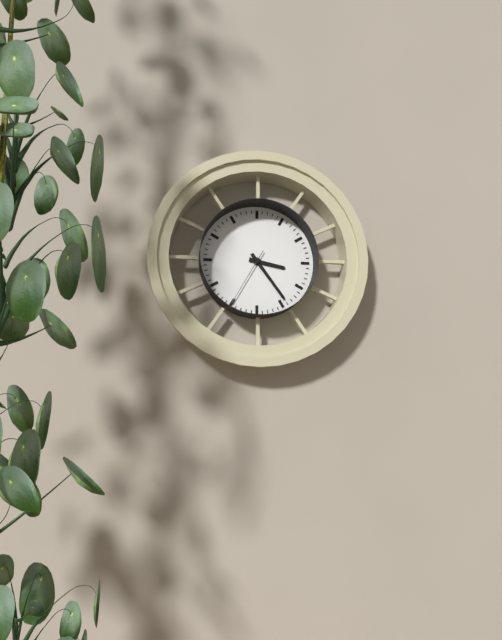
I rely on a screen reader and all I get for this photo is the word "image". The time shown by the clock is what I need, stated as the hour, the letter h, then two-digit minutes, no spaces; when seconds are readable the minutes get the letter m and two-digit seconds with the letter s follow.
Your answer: 3h24m35s
